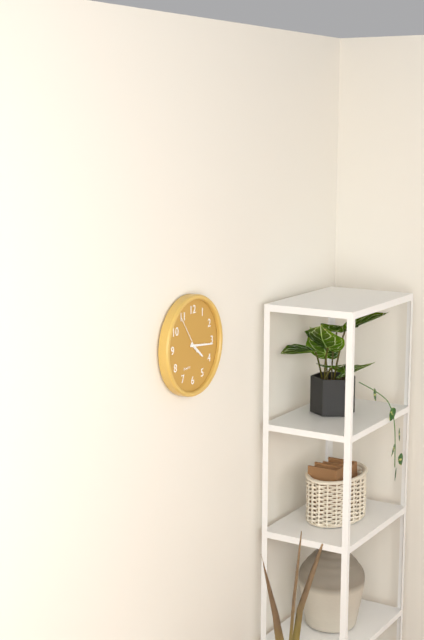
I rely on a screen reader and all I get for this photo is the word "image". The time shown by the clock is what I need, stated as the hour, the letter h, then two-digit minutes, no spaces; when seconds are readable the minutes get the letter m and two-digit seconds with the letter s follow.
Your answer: 4h16
